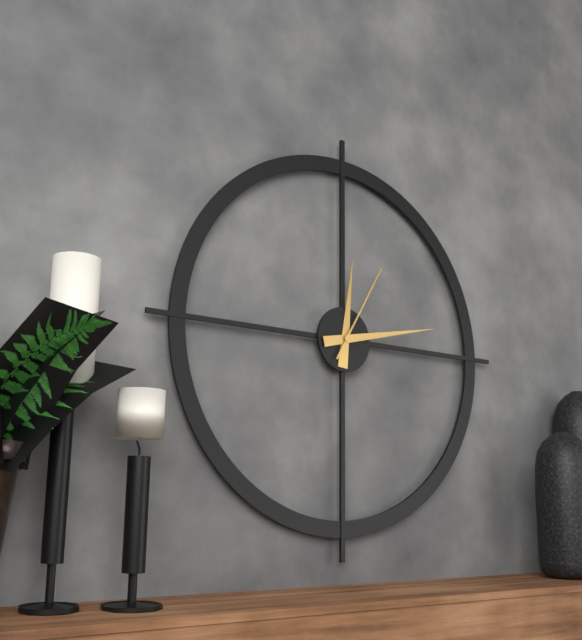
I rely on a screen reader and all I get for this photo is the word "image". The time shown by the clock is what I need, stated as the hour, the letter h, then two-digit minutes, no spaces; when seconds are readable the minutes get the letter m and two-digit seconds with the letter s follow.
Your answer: 12h13m05s
